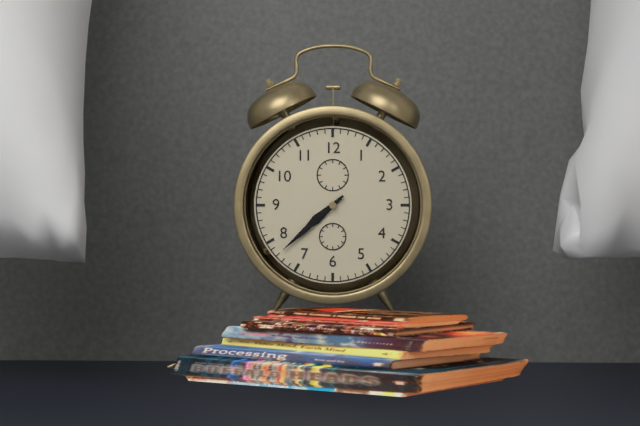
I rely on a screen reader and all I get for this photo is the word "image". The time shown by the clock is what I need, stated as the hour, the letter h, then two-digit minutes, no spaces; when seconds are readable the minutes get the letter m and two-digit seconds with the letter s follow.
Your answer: 7h38
